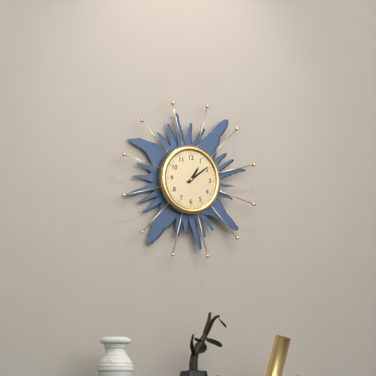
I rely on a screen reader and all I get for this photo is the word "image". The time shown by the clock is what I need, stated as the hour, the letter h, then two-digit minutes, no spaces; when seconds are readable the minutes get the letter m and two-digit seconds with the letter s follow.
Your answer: 1h09
